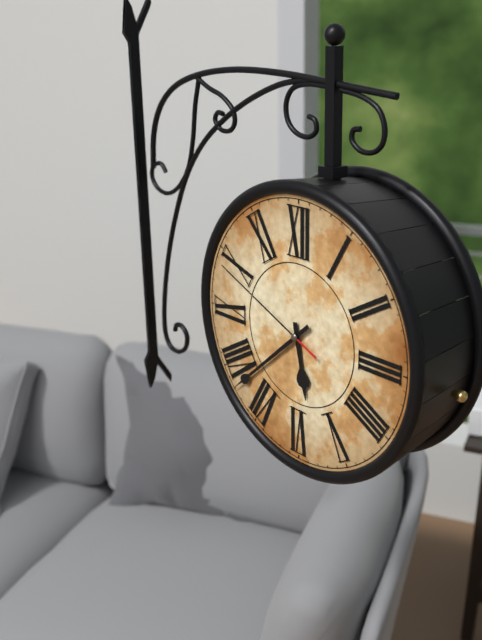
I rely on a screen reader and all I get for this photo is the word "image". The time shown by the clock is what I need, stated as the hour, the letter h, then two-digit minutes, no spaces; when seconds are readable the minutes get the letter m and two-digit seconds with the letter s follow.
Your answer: 5h38m49s
